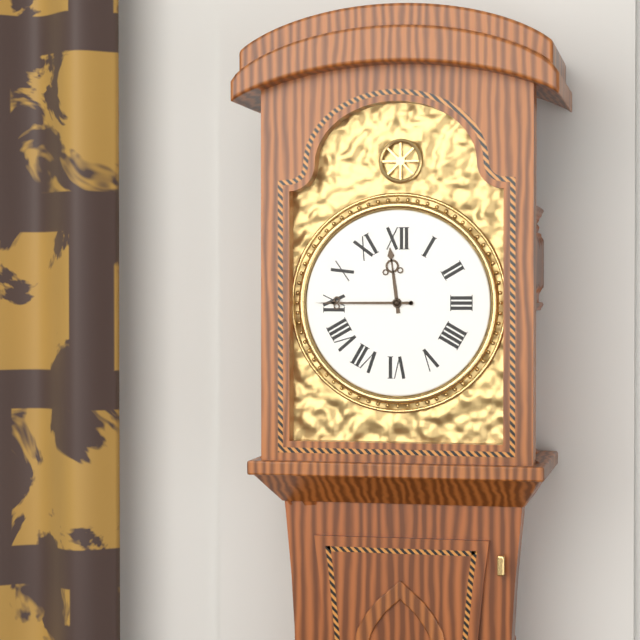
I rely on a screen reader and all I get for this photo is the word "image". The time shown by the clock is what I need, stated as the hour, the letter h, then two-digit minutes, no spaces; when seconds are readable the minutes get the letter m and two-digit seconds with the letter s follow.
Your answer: 11h45
